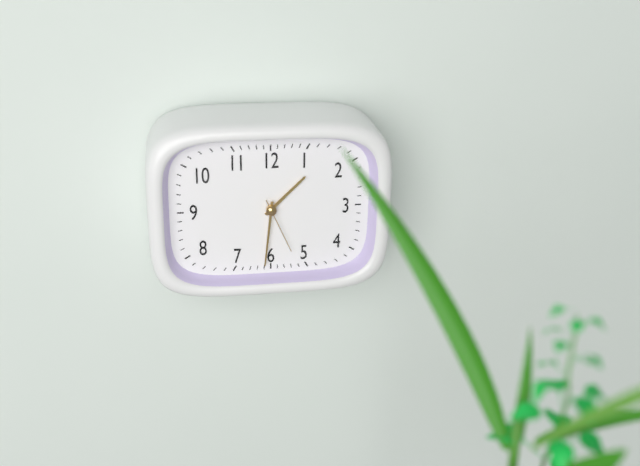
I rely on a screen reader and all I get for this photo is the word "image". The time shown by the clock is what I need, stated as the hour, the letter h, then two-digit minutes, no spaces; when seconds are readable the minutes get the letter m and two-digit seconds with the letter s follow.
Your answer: 1h31m26s
